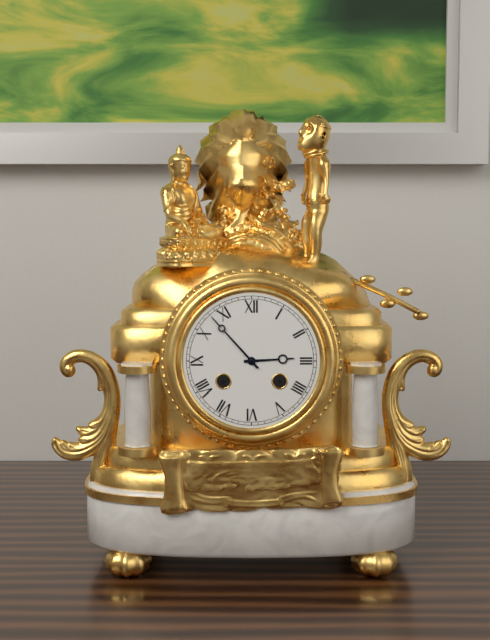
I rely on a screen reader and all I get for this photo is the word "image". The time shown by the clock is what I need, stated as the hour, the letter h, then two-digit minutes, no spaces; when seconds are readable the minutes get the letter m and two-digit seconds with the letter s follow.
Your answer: 2h53
